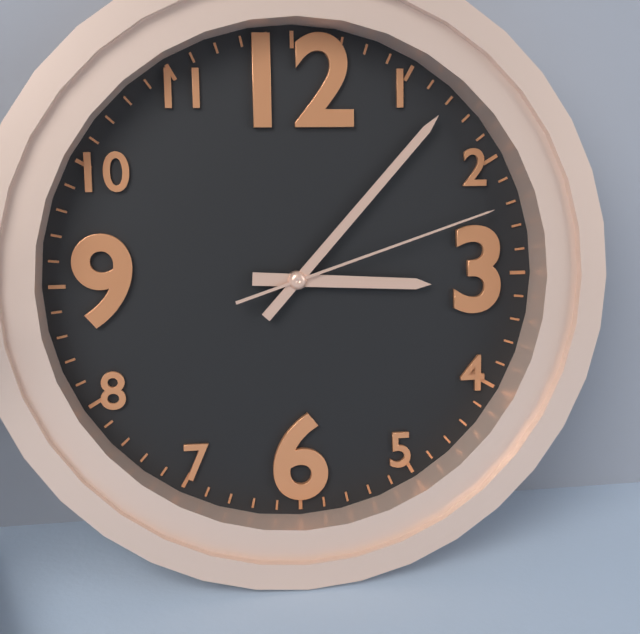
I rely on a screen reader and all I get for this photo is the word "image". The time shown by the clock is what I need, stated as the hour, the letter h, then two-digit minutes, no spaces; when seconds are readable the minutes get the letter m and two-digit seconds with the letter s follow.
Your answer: 3h07m12s
